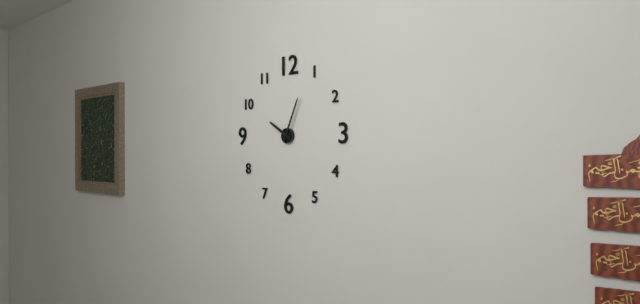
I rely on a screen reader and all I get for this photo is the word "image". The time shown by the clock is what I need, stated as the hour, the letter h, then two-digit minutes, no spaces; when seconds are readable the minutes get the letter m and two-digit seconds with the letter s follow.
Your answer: 10h04
